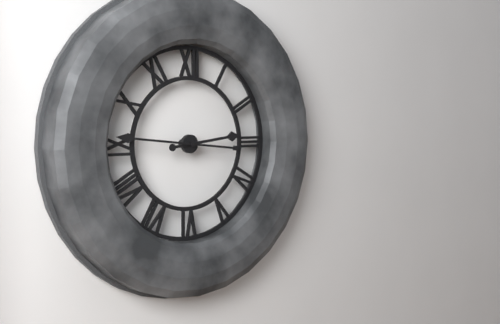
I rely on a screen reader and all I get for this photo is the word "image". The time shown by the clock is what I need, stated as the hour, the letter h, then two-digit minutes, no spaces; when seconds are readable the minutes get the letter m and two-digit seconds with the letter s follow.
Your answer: 2h46
